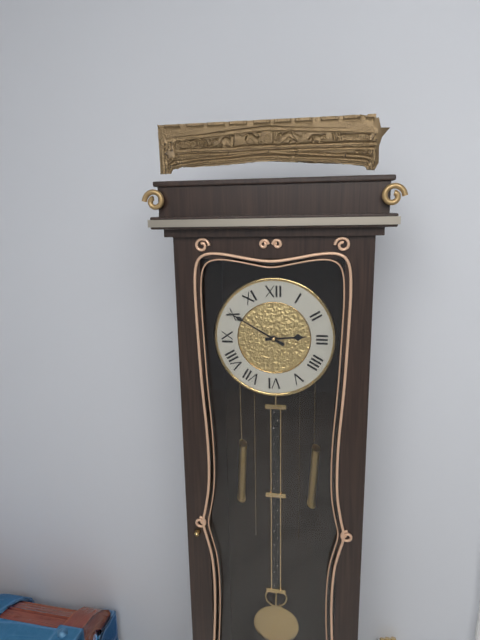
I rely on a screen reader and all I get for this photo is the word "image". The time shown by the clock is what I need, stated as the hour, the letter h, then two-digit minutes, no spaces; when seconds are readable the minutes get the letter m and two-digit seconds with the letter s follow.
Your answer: 2h50
